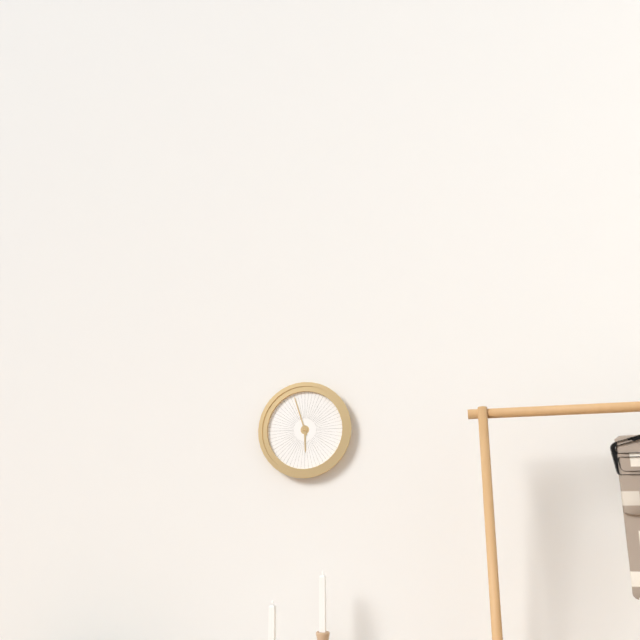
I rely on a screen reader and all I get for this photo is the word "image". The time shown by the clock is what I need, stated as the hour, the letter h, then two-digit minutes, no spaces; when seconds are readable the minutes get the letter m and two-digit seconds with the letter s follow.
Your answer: 5h57
